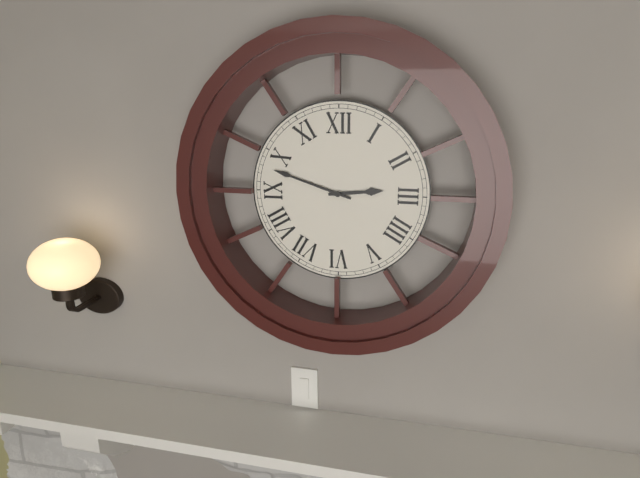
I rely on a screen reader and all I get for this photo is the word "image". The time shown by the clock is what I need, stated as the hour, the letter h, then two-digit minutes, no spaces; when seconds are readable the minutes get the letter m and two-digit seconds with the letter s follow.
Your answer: 2h48
